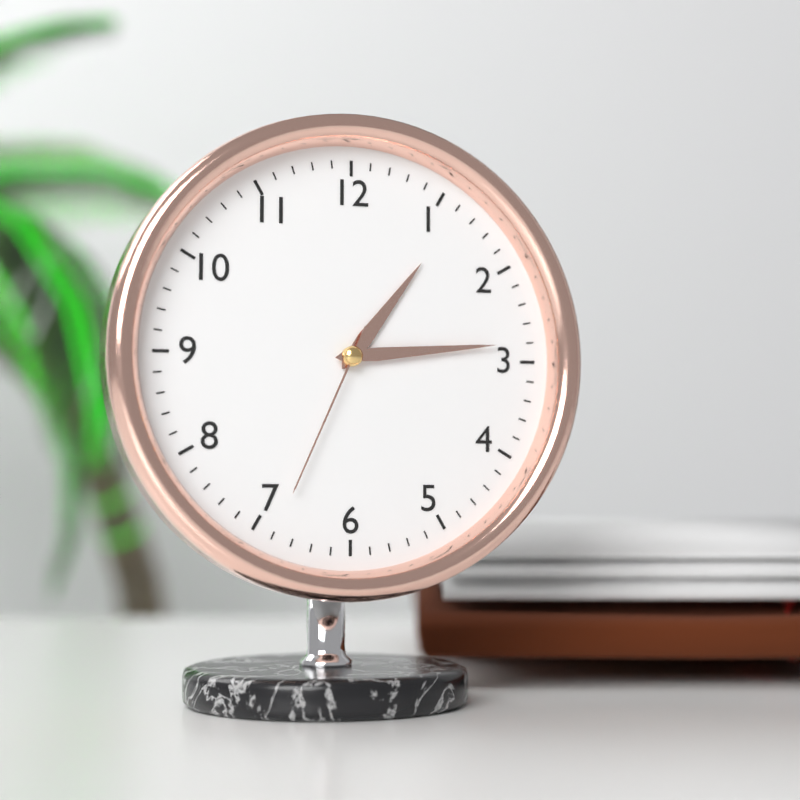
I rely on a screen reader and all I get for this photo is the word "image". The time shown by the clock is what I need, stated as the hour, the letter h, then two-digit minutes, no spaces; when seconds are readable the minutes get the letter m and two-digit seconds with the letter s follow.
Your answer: 1h14m34s
